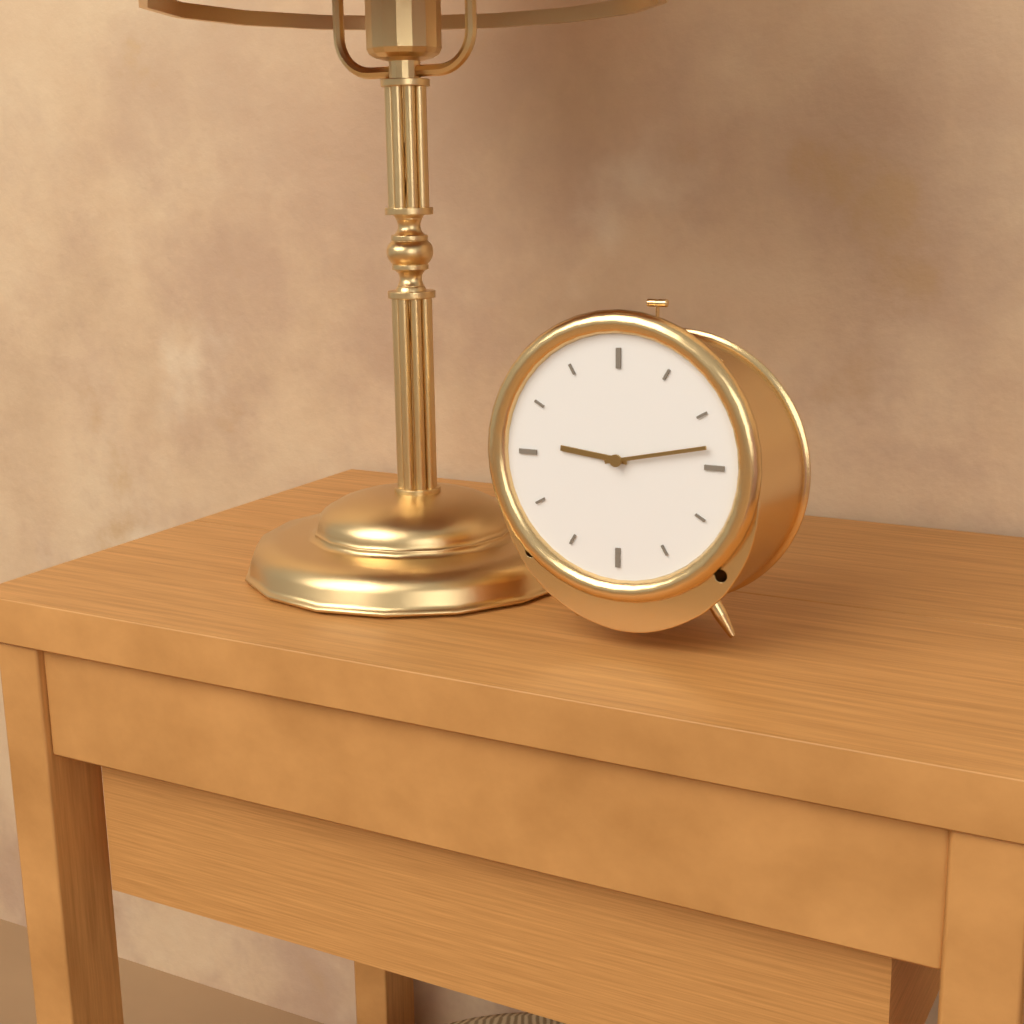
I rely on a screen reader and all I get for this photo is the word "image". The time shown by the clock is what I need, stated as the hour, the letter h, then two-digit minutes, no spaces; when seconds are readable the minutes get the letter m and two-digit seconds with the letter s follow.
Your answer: 9h13
